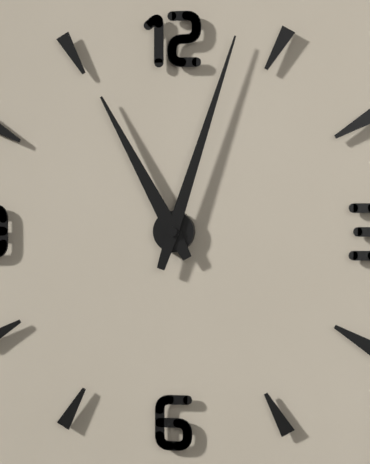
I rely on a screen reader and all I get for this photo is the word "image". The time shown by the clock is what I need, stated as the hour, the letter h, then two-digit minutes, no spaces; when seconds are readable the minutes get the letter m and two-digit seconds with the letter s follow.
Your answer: 11h03
